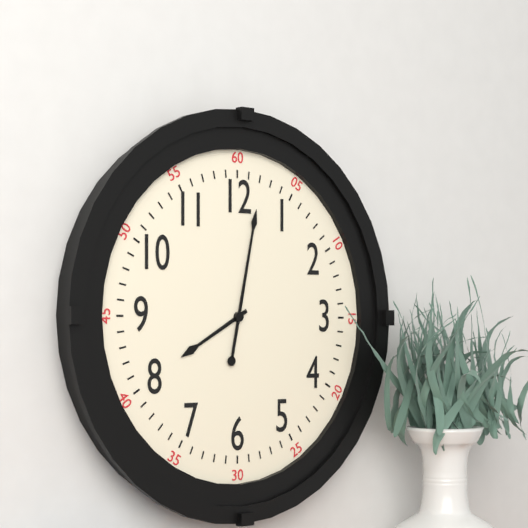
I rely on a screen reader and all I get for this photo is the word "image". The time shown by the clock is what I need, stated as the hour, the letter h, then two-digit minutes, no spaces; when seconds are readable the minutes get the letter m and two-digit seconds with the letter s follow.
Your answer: 8h02
